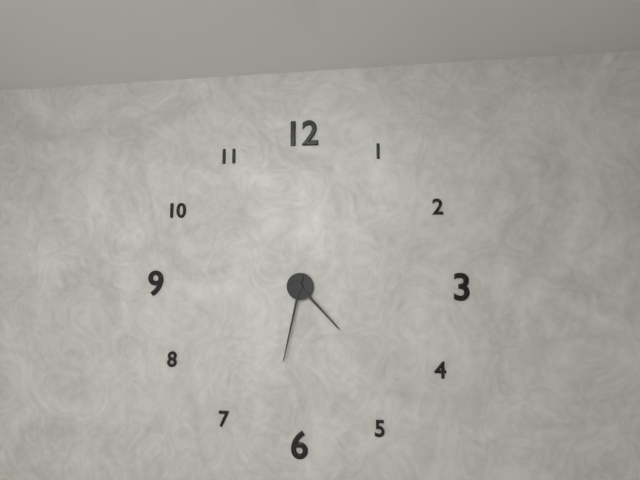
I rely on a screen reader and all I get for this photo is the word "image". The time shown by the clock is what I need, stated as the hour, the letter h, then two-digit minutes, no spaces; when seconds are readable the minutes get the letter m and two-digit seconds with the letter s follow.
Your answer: 4h32
